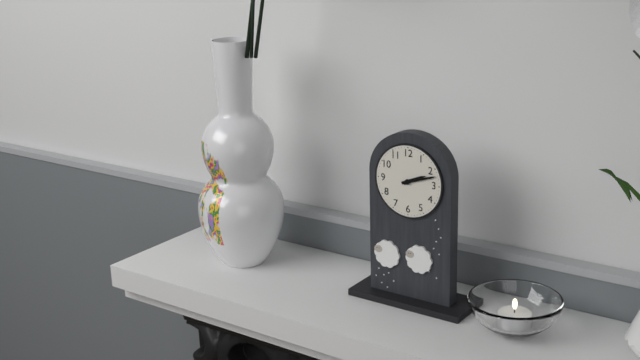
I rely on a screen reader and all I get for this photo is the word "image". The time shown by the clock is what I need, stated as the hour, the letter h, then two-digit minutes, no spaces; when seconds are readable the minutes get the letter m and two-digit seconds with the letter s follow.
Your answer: 2h12
